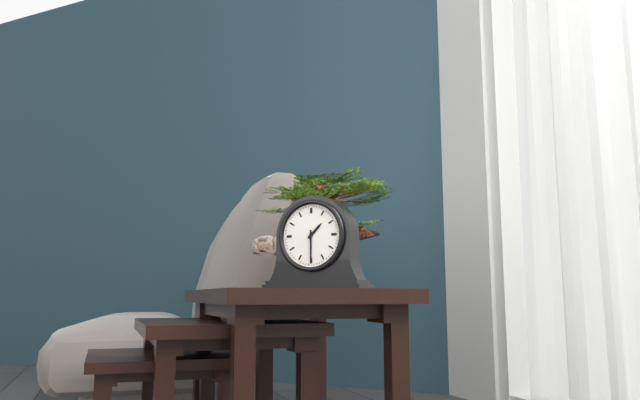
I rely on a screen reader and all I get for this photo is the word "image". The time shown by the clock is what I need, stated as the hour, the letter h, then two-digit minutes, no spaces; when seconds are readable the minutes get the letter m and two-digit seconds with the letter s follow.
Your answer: 1h30
